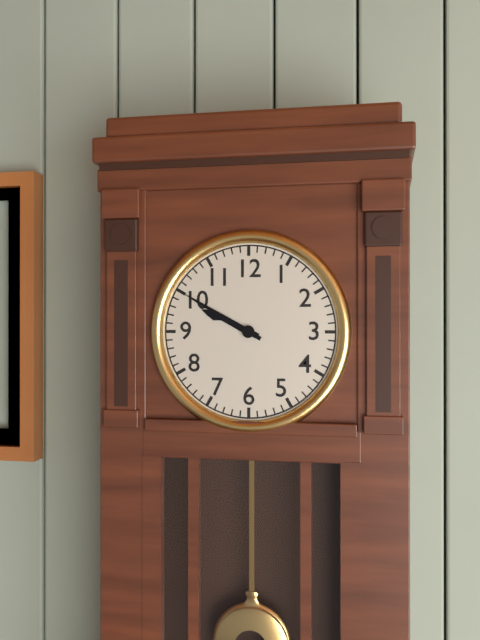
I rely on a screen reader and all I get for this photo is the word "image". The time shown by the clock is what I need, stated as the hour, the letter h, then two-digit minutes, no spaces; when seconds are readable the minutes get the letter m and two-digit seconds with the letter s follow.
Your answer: 9h50
